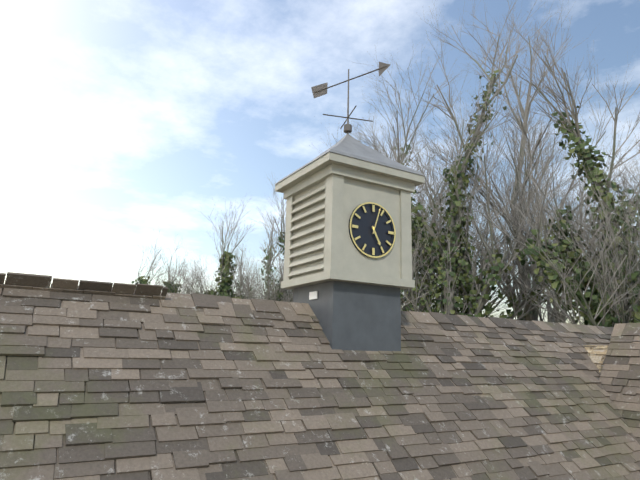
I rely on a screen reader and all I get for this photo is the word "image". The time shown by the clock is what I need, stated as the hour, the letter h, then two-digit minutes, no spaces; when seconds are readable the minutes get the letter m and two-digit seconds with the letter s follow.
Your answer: 5h03
